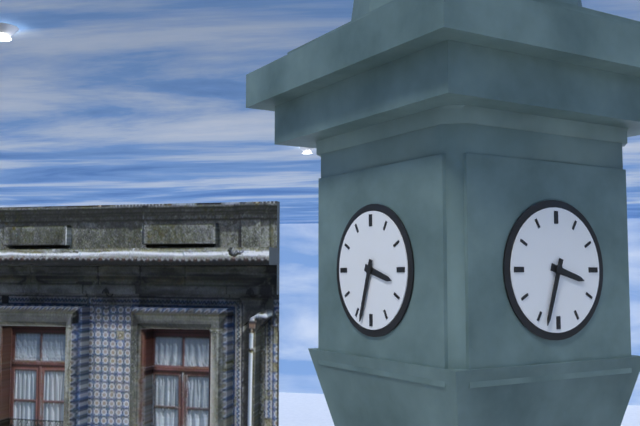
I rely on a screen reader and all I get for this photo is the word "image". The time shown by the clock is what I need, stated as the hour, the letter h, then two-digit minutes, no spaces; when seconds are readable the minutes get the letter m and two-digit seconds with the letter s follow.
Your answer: 3h33
